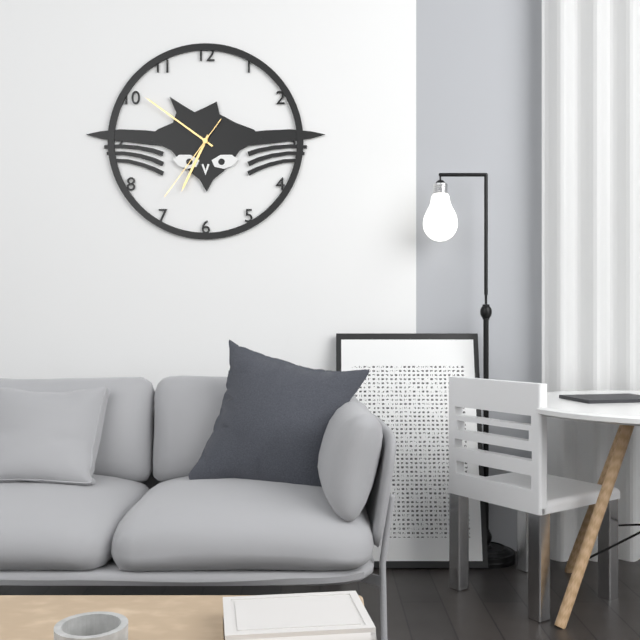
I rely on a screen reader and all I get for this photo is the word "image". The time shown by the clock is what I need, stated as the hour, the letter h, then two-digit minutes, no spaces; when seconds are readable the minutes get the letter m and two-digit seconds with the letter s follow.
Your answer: 6h51m36s
